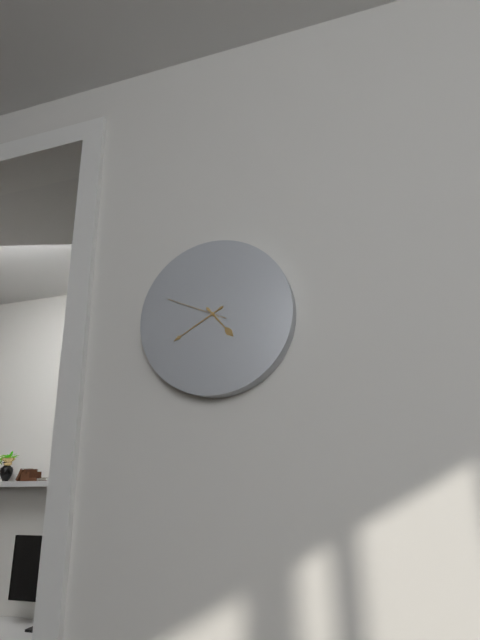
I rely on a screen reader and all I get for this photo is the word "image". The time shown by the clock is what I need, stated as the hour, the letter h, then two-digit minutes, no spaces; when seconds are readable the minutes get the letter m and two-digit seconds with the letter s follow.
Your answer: 4h40m49s
